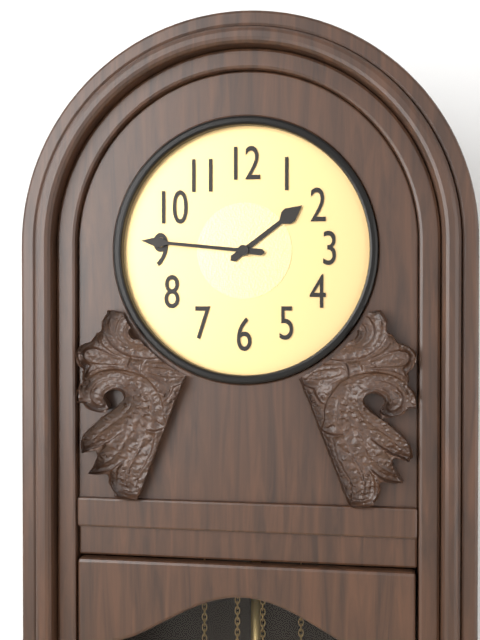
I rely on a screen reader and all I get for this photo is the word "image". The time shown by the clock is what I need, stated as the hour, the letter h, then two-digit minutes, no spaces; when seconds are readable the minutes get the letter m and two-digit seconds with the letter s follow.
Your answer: 1h46
